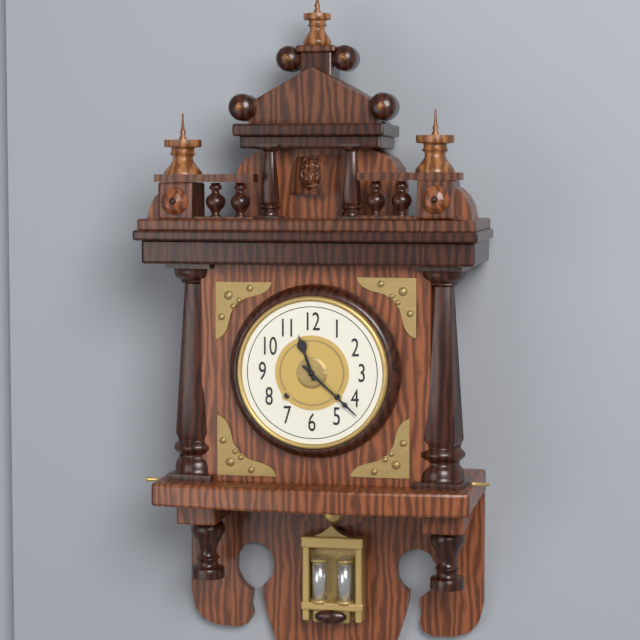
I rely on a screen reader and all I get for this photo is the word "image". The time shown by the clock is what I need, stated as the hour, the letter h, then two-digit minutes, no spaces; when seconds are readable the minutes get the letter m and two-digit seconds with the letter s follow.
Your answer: 11h22
